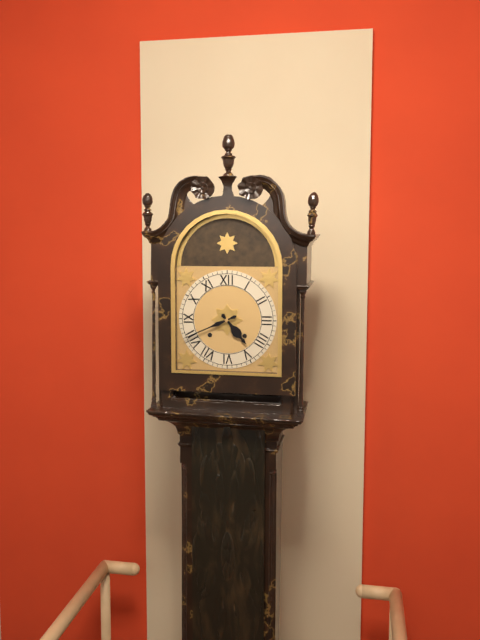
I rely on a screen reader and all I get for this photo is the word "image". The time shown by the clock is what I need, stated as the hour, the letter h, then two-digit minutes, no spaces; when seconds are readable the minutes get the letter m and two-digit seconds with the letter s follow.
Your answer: 4h41
